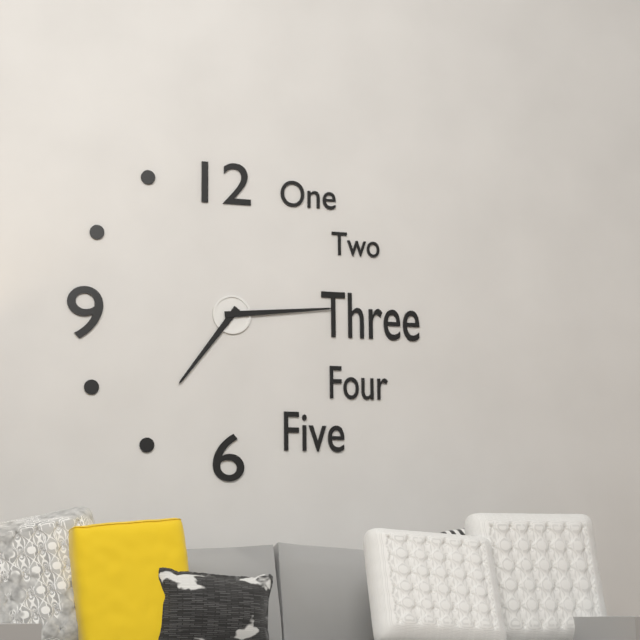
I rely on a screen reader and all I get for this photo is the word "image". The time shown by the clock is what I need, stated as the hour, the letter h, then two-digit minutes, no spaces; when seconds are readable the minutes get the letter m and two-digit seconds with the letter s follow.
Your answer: 7h14
